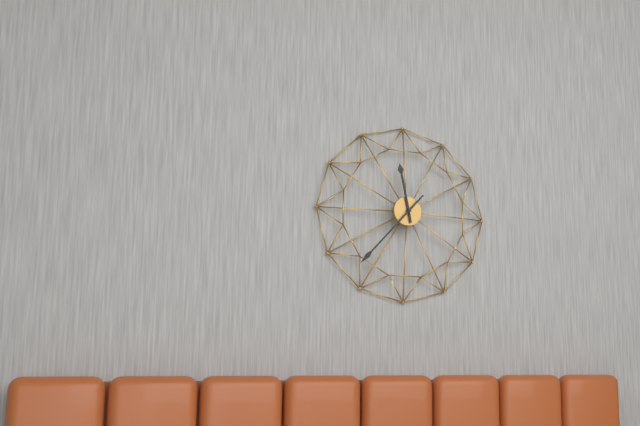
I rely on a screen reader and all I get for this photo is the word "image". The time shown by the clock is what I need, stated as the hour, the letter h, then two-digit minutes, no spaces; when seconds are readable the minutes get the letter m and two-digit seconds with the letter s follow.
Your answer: 11h37
